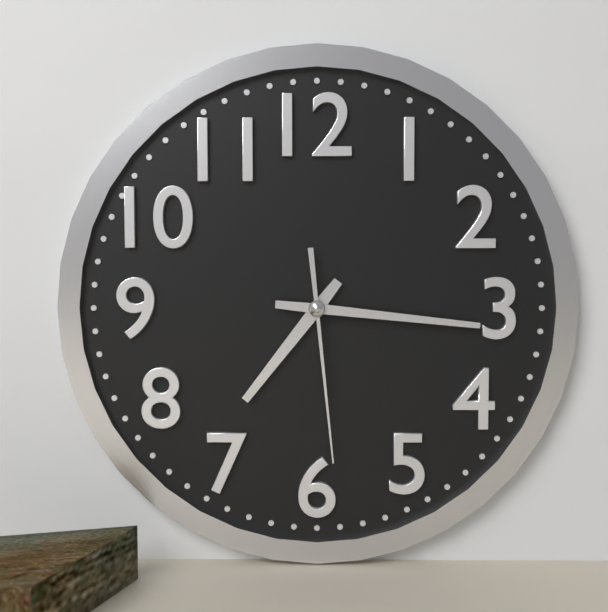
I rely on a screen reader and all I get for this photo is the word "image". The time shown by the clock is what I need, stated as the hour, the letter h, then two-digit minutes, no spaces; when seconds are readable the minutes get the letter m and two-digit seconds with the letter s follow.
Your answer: 7h16m29s
